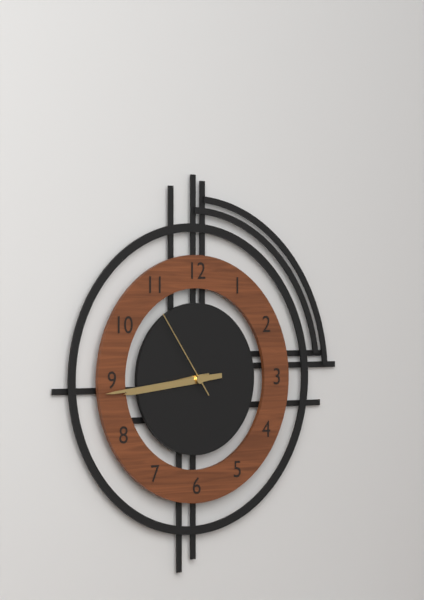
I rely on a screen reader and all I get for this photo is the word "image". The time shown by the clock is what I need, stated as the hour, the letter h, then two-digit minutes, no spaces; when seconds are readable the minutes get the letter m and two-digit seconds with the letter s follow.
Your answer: 8h44m54s
